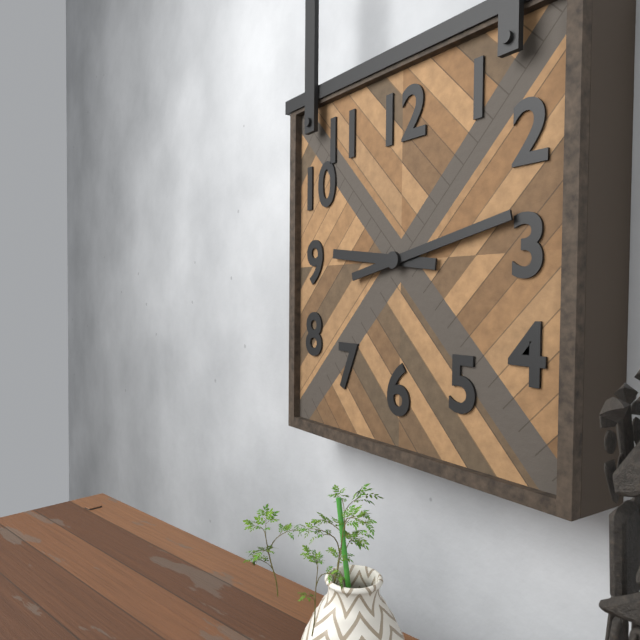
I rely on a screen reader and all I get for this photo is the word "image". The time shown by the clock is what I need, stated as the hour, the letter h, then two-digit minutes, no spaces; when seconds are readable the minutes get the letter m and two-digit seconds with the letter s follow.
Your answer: 9h13
